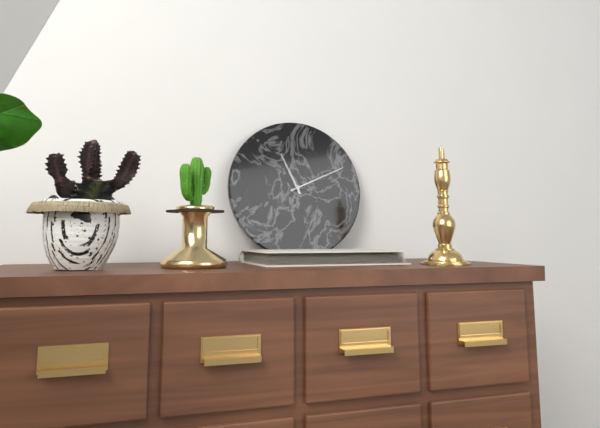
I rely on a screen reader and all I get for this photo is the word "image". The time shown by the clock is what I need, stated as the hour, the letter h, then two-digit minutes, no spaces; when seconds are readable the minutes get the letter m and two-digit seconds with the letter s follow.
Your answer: 11h11
